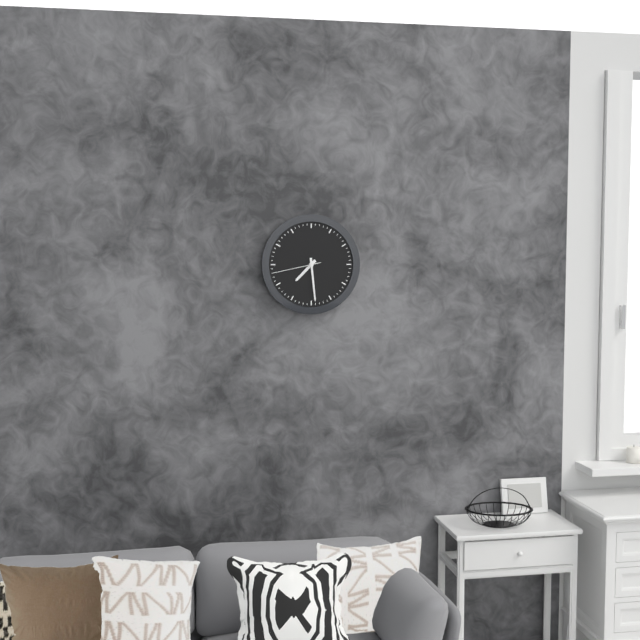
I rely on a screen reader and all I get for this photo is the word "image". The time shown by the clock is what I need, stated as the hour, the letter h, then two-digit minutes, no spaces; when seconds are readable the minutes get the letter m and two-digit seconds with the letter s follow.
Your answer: 7h29
